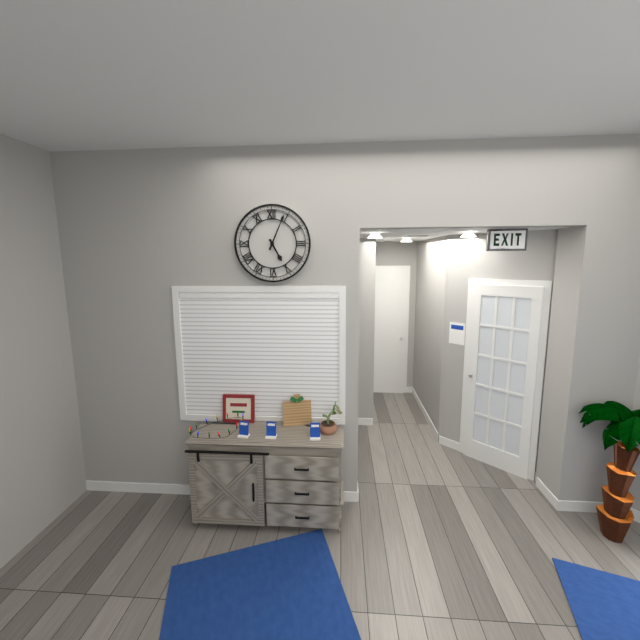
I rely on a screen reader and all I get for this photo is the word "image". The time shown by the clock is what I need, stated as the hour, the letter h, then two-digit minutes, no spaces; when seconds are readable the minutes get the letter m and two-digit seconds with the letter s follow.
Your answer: 5h04
